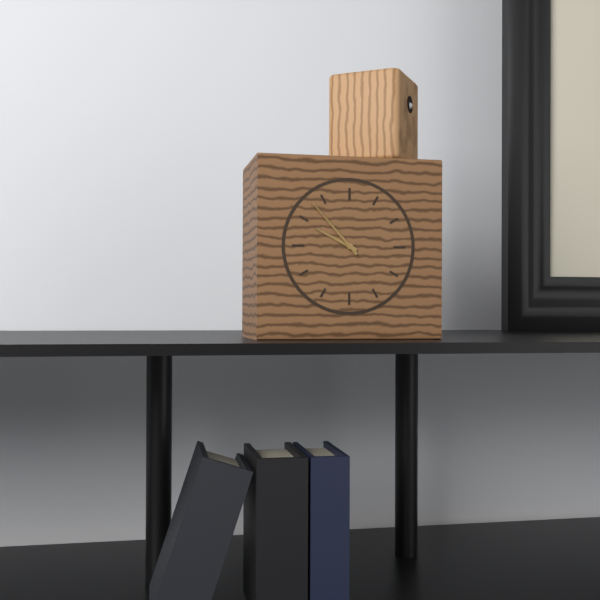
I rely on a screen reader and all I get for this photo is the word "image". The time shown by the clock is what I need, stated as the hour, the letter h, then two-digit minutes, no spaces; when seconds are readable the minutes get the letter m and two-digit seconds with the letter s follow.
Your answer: 9h53
